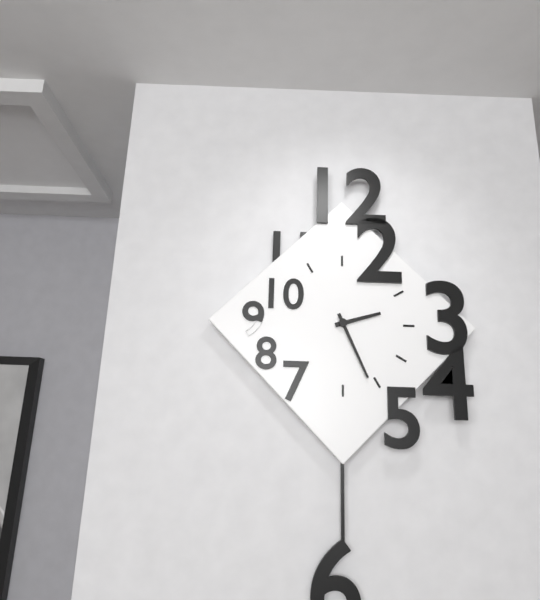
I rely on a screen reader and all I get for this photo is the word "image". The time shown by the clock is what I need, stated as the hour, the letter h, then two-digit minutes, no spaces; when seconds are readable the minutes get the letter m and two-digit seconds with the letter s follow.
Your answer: 2h26
